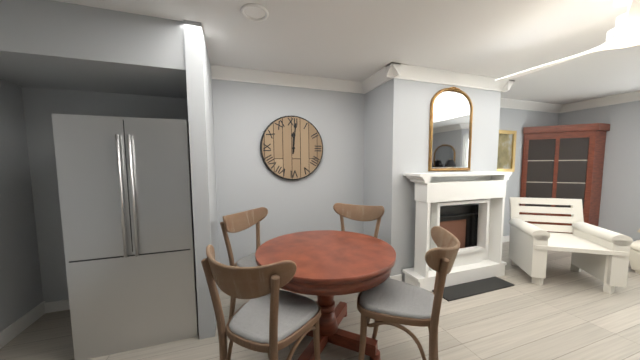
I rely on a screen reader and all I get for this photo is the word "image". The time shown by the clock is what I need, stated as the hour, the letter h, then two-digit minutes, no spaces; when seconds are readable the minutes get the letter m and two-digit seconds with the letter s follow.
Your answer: 12h01
